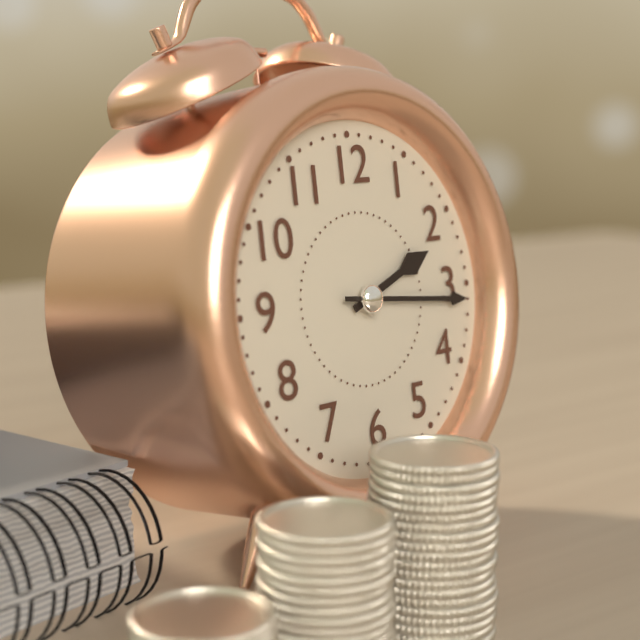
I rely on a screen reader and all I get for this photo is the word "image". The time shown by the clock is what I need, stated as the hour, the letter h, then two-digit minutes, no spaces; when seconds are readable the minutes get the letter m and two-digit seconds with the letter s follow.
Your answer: 2h16
